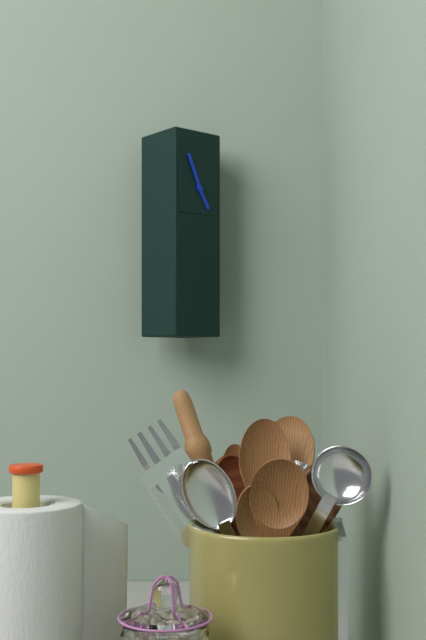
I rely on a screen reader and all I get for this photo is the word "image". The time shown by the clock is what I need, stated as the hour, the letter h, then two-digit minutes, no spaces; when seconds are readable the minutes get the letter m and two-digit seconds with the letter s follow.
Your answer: 4h56
